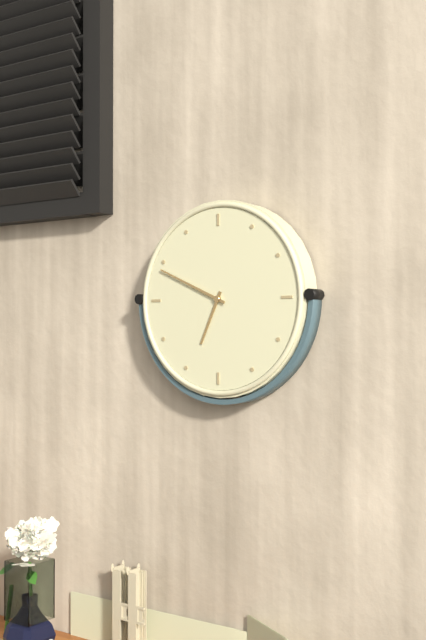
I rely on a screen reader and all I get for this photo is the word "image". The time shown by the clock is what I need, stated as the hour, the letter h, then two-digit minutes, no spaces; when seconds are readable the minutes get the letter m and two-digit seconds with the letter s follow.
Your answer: 6h49
